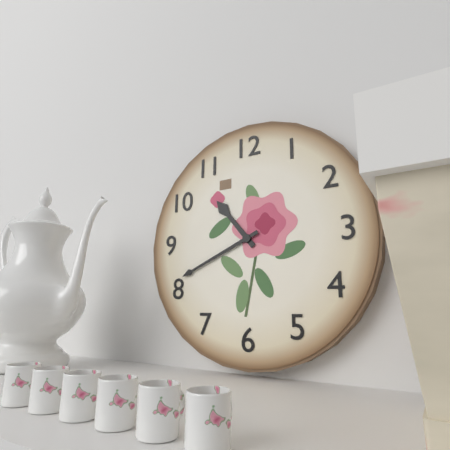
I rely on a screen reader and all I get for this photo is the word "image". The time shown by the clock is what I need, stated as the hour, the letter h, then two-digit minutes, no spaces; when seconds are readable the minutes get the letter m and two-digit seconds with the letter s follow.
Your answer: 10h41
